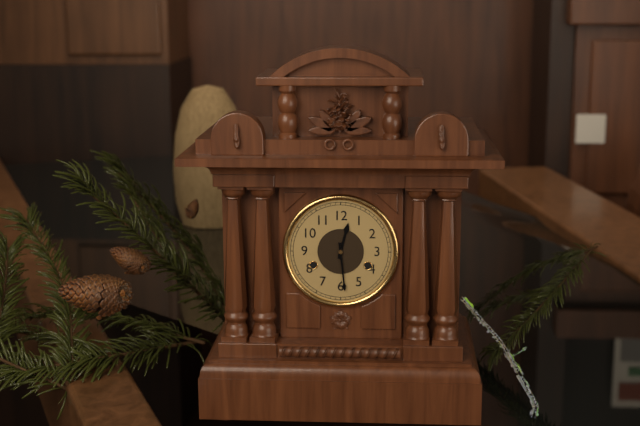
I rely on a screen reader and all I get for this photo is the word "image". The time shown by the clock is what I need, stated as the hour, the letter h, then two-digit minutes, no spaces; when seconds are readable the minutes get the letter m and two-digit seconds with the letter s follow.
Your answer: 12h29
